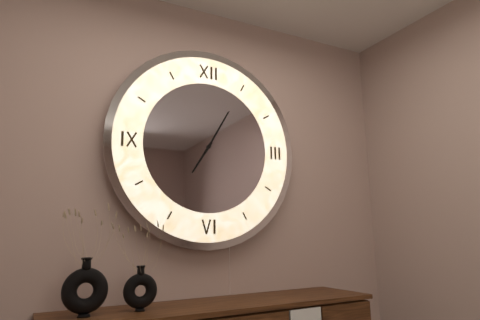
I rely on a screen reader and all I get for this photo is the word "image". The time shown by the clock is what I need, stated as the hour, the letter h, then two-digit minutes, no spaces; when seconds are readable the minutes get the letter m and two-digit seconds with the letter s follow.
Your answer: 7h05
